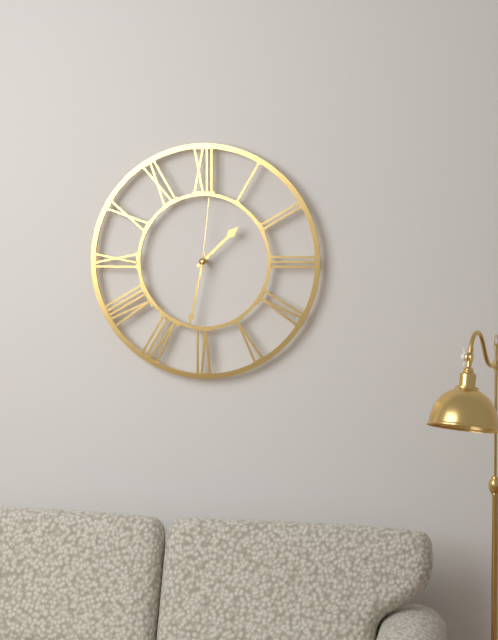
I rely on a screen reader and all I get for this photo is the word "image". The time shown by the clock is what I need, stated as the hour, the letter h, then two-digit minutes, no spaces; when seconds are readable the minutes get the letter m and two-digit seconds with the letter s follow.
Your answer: 1h32m01s
